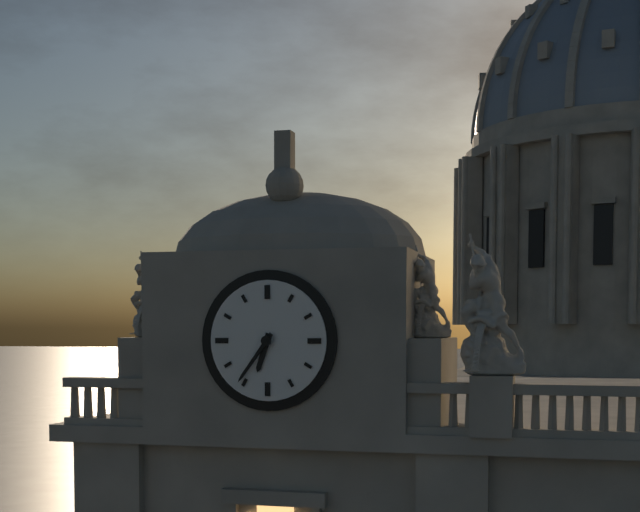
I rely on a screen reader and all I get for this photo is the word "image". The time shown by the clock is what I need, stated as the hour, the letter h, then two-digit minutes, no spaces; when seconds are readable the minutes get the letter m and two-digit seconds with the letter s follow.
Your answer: 6h36
